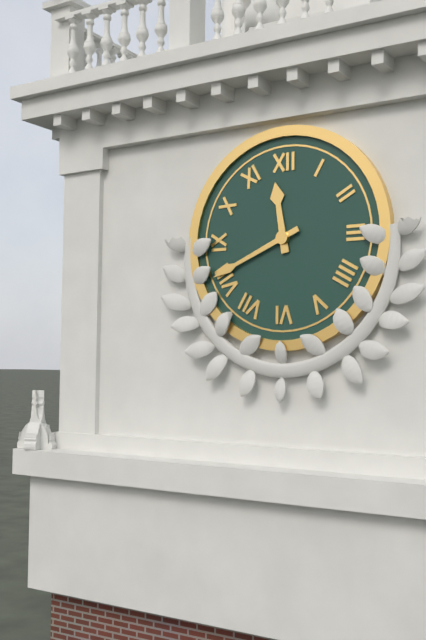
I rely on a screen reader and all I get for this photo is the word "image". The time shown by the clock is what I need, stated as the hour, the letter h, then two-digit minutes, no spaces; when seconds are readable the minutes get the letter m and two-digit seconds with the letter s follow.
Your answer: 11h41
